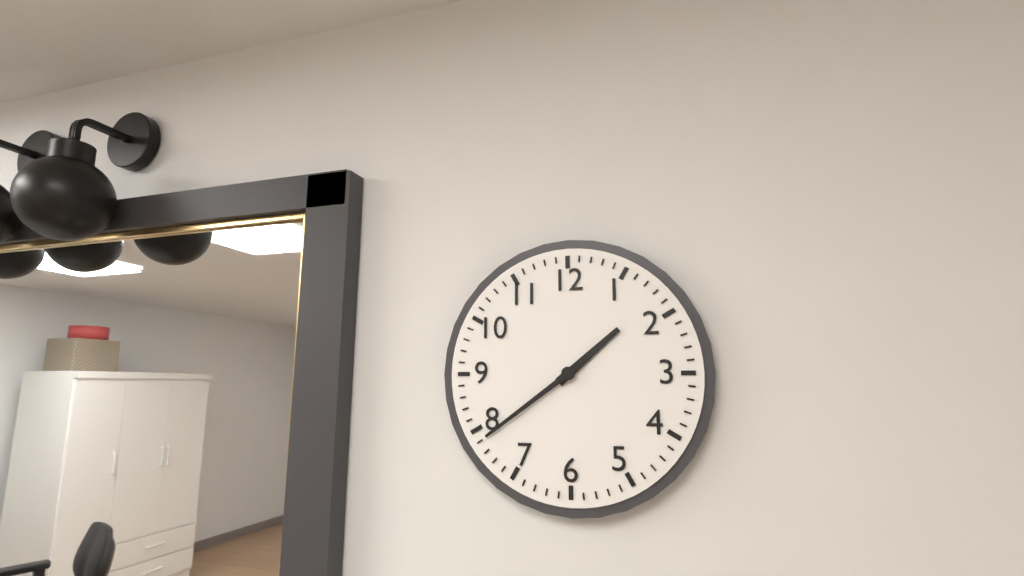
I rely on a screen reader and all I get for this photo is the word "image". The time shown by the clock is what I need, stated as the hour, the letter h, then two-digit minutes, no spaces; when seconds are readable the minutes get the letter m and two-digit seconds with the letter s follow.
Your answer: 1h39
